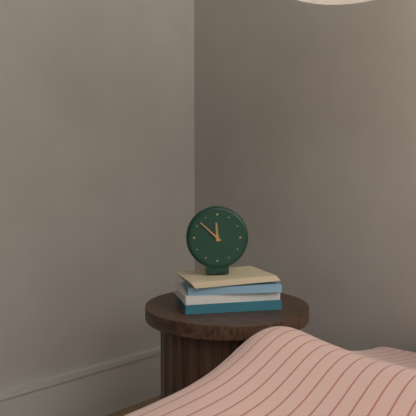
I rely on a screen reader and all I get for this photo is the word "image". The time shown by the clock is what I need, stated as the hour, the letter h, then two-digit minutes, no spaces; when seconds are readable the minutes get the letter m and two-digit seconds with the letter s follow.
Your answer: 11h52
